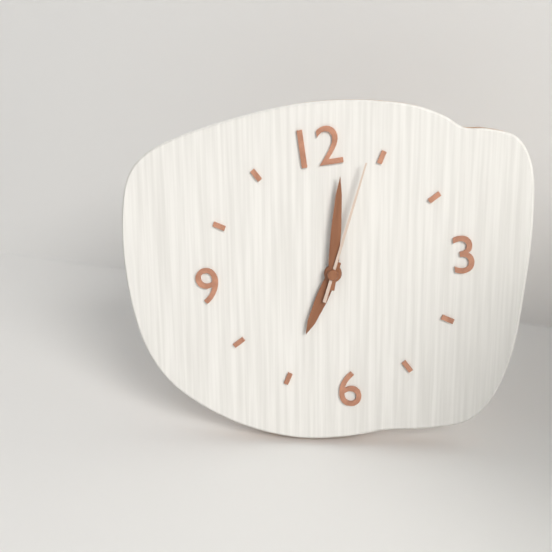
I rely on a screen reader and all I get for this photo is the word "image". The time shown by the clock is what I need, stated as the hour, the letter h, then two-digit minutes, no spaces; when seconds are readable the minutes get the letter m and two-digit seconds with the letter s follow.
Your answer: 7h02m04s
